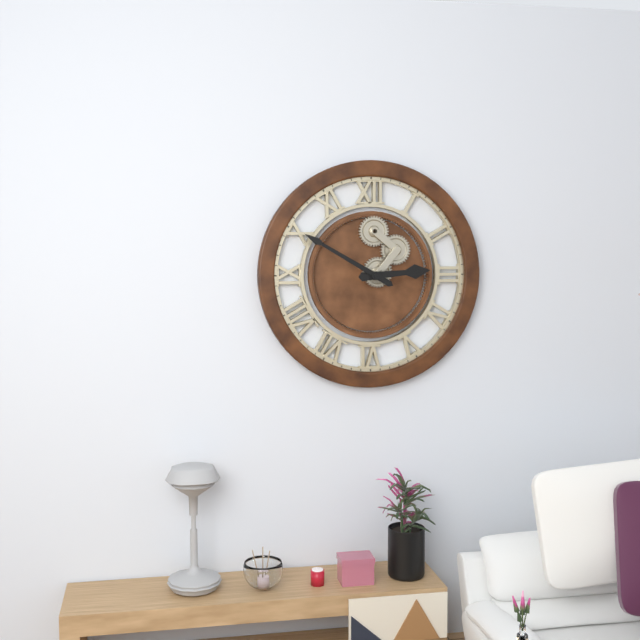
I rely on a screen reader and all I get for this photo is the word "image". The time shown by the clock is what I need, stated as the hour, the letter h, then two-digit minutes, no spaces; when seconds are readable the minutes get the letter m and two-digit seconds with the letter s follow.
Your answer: 2h50
